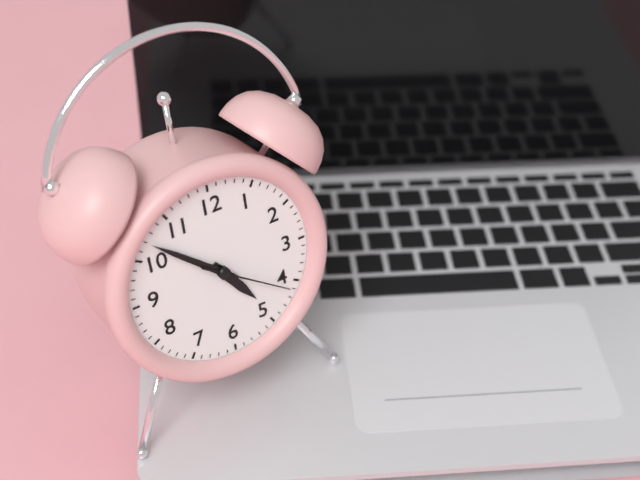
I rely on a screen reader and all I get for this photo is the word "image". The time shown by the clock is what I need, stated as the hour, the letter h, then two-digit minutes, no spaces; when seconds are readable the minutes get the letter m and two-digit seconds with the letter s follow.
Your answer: 4h52m21s
